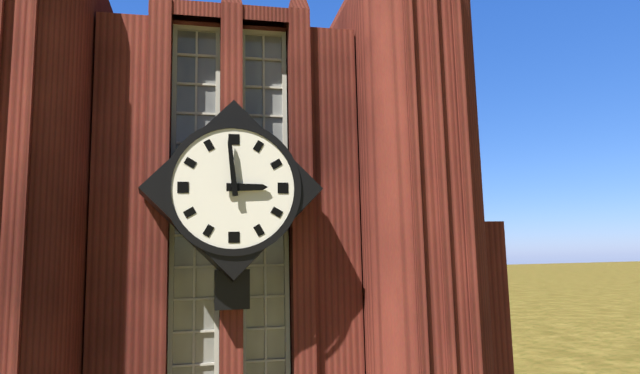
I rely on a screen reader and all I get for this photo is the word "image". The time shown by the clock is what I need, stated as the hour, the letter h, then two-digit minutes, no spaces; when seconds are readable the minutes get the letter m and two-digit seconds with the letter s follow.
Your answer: 2h59
